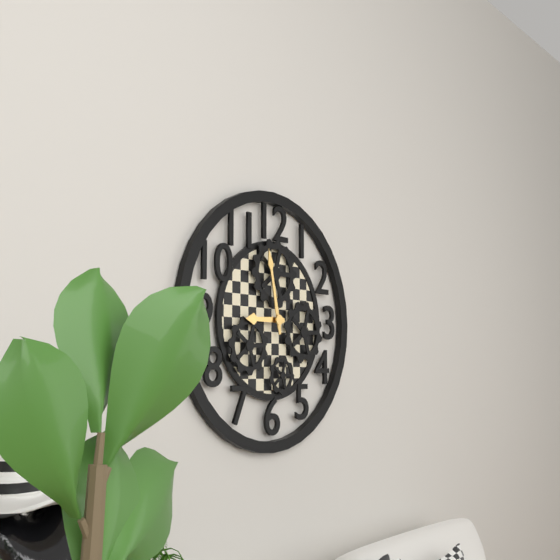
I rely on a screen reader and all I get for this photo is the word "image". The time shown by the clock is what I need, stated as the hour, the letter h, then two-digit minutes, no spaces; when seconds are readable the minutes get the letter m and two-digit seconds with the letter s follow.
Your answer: 8h58
